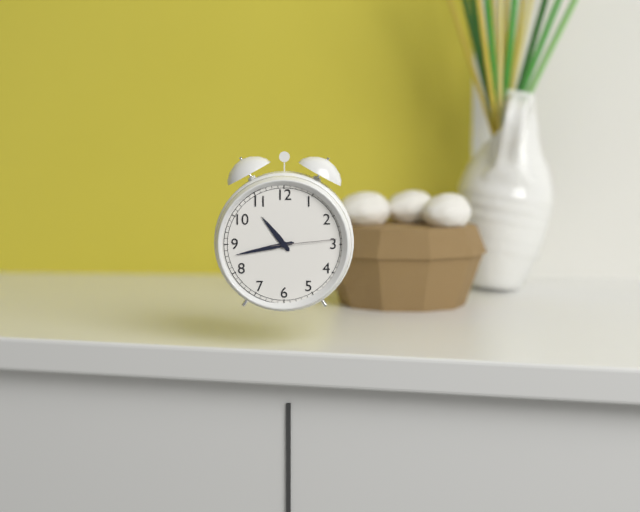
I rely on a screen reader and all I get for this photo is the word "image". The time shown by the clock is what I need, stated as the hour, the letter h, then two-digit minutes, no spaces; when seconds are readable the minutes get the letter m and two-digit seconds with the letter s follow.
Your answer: 10h43m14s
